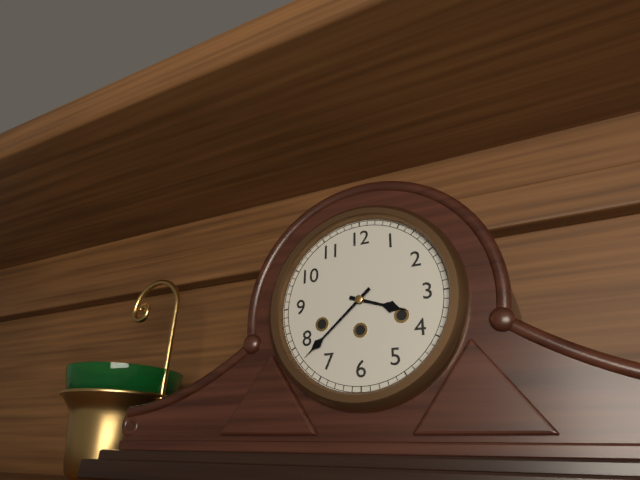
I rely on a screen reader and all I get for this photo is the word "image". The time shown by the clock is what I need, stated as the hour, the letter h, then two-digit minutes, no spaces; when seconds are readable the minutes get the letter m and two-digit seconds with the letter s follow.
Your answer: 3h38
